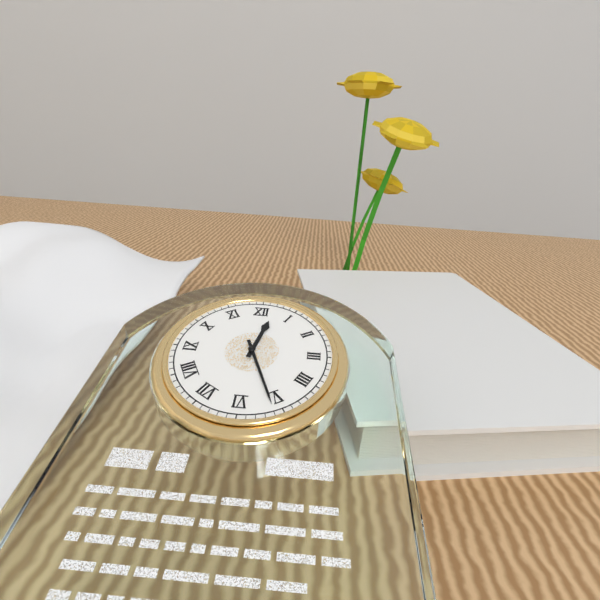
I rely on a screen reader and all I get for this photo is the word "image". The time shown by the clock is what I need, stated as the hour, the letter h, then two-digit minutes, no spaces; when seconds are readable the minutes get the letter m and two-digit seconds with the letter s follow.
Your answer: 12h26
